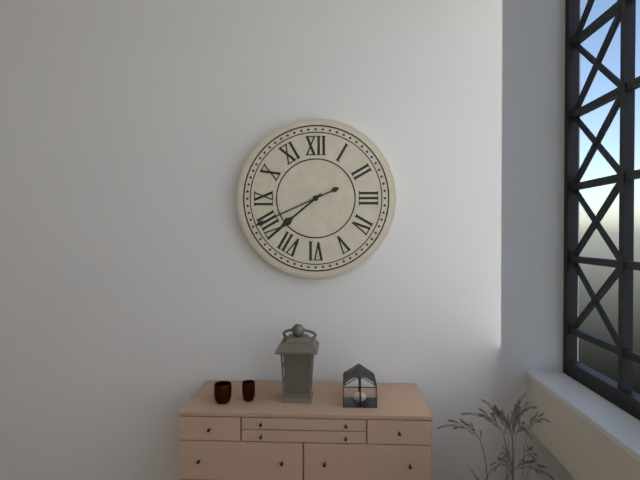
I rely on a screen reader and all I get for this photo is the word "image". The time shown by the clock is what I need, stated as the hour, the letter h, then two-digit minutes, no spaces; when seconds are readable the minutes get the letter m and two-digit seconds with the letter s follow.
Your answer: 7h41
